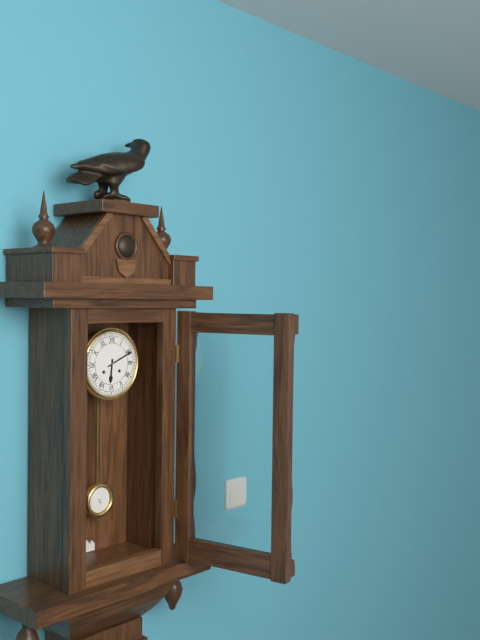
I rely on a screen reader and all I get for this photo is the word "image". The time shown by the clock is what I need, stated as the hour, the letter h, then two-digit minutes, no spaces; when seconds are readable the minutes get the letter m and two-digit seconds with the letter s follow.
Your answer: 6h11
